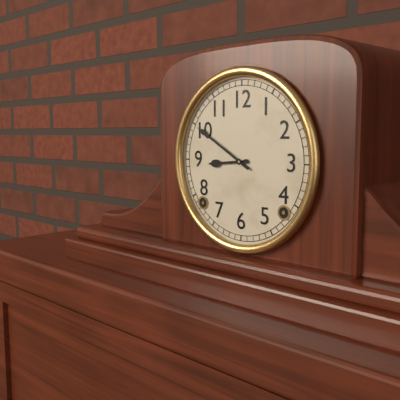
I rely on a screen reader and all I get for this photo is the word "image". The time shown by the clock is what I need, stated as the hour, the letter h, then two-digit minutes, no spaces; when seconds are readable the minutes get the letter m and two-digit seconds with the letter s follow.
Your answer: 8h50
